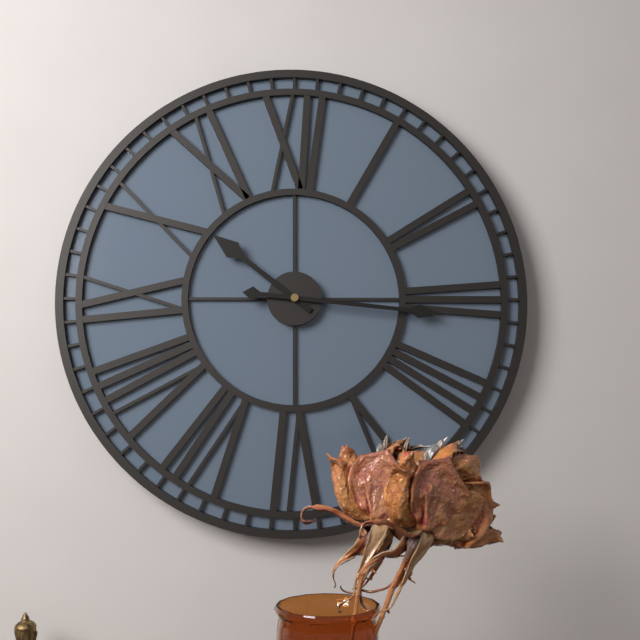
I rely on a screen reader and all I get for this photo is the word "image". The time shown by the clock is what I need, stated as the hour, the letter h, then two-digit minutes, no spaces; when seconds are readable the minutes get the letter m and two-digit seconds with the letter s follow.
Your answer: 10h16
